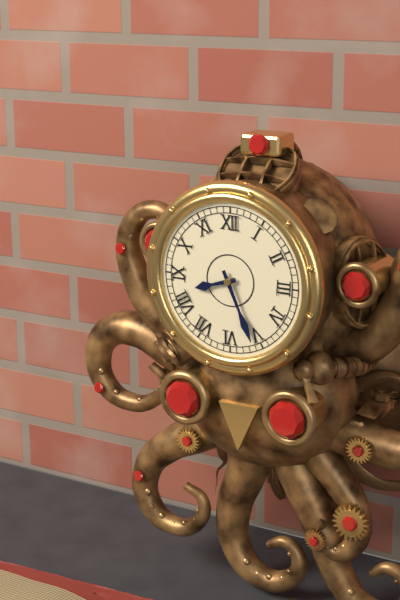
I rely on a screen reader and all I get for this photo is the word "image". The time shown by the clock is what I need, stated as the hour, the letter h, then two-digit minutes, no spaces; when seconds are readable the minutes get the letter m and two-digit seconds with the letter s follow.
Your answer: 8h26
